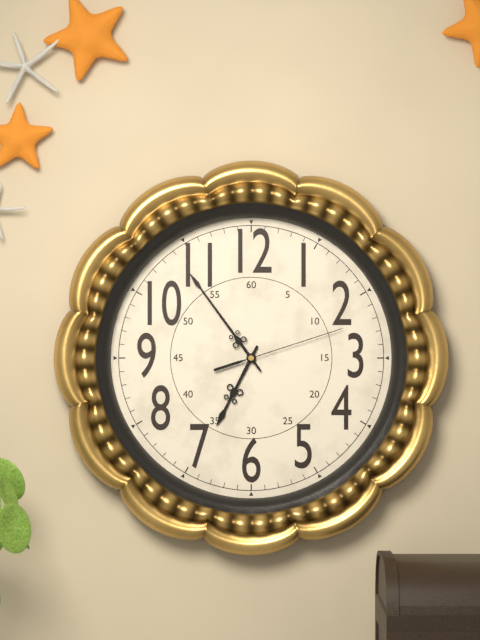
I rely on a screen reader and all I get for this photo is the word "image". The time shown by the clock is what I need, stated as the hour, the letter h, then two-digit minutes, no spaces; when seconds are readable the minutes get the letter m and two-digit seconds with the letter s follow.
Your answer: 6h54m12s
